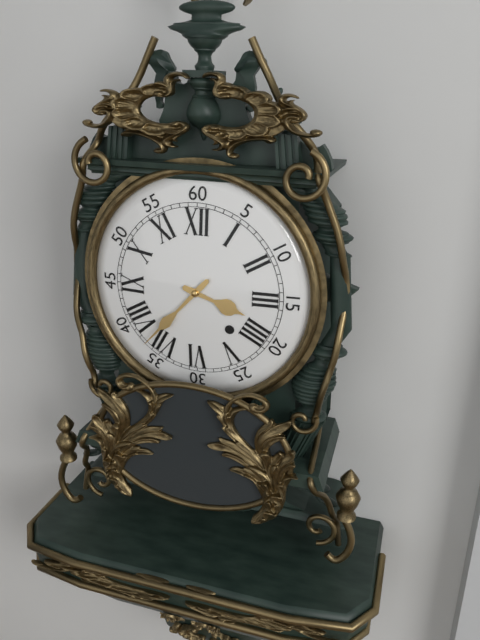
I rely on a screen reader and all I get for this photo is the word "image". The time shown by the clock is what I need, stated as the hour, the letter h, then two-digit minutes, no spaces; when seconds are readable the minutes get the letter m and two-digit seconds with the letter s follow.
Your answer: 3h37
